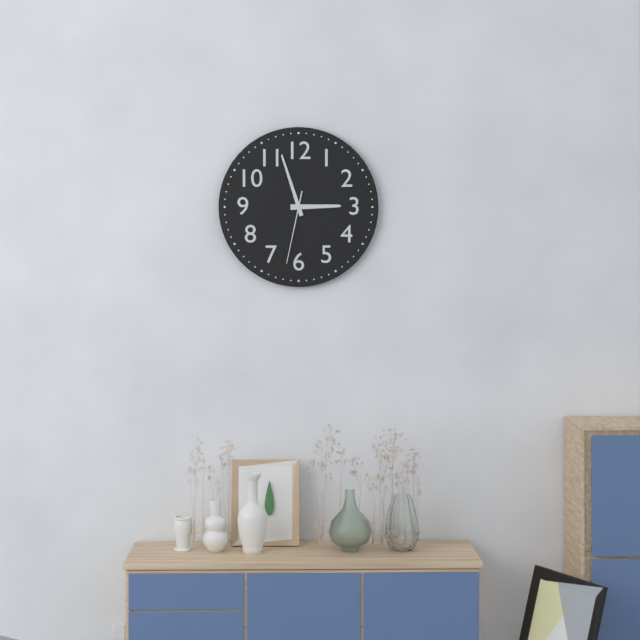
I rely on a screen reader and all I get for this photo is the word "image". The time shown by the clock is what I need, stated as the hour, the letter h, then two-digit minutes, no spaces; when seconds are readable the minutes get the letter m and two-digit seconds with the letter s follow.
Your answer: 2h57m32s
